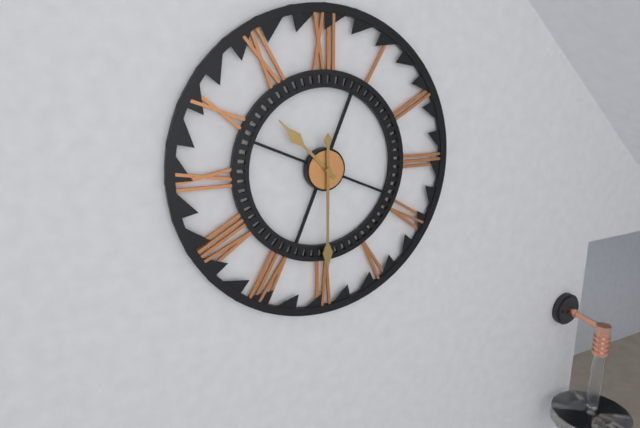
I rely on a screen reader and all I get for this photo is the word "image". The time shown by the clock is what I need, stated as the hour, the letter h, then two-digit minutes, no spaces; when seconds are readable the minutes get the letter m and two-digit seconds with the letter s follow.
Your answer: 10h30
